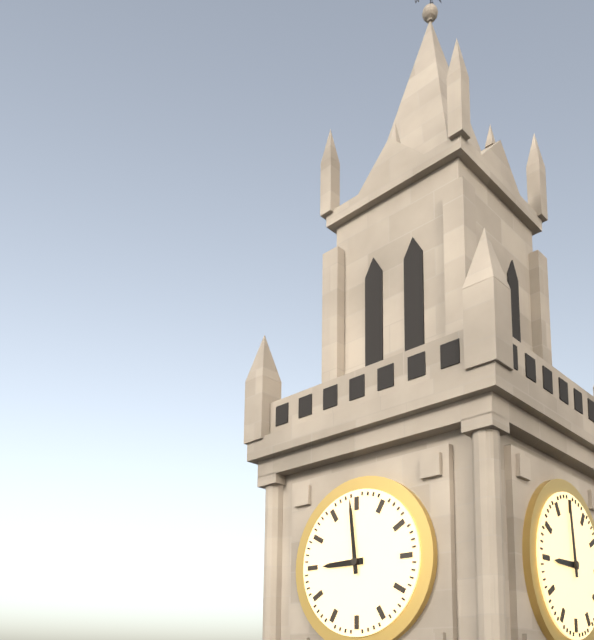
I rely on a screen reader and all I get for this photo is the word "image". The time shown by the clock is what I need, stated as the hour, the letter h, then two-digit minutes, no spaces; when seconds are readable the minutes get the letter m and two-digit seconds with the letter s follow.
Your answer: 8h59
